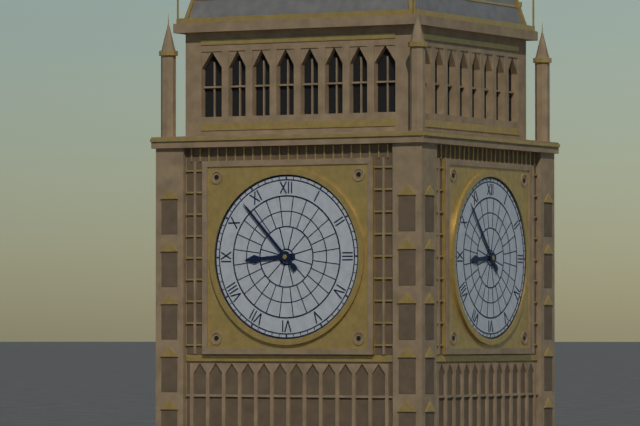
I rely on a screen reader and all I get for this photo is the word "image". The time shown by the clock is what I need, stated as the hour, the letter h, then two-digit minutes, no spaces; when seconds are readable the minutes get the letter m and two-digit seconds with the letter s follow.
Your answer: 8h53
